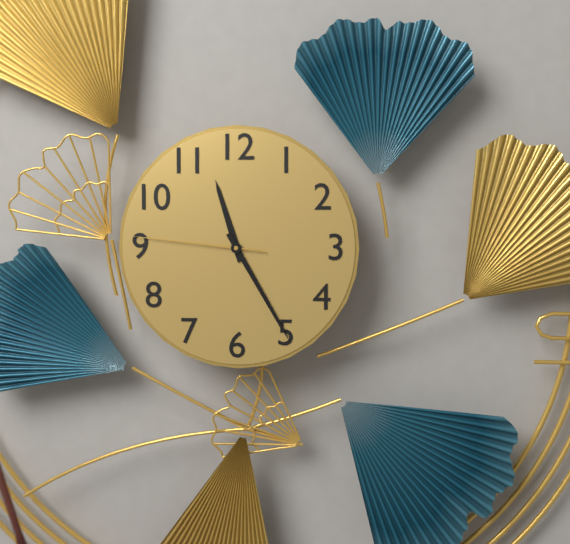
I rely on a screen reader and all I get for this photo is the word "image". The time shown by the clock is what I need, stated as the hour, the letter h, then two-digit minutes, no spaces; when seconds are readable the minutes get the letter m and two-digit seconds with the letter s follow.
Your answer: 11h25m46s
